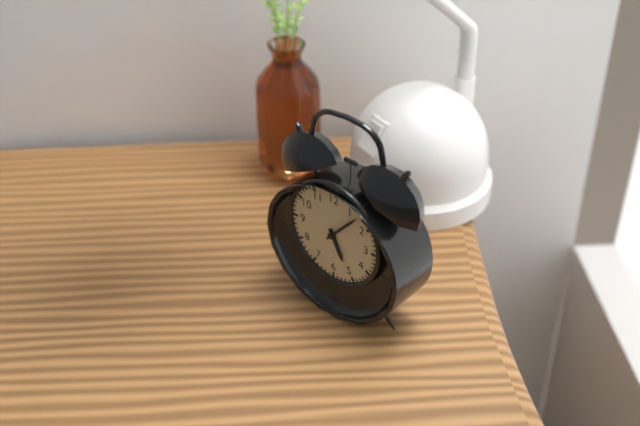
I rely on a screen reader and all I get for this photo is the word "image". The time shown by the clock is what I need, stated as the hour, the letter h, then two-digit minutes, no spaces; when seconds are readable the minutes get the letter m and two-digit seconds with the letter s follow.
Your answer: 5h07
